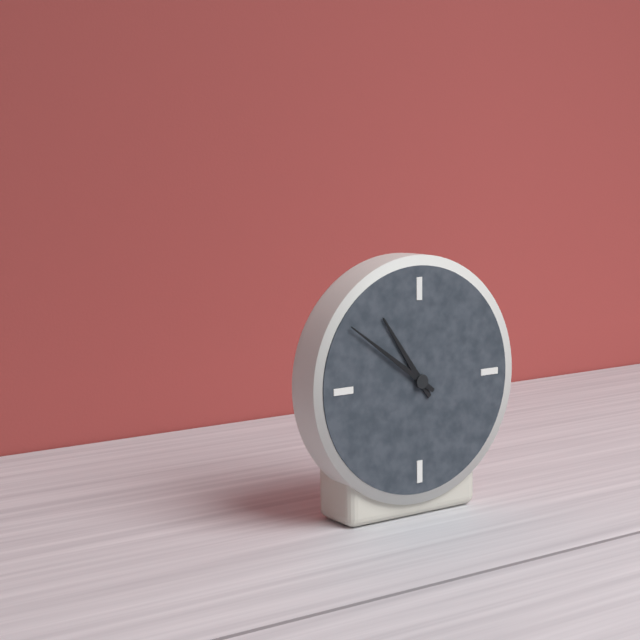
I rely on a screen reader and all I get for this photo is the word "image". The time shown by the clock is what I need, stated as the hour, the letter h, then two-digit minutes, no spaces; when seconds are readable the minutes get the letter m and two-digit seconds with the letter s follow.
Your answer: 10h51
